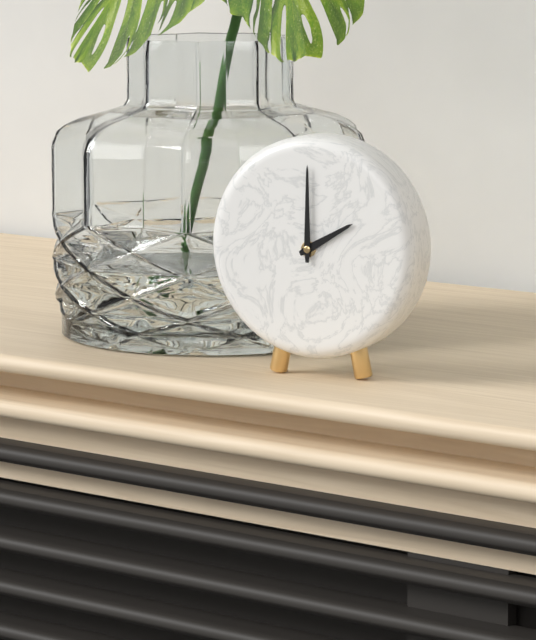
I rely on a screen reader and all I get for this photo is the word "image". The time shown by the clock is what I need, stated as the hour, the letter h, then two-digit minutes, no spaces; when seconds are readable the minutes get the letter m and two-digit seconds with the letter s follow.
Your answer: 2h00
